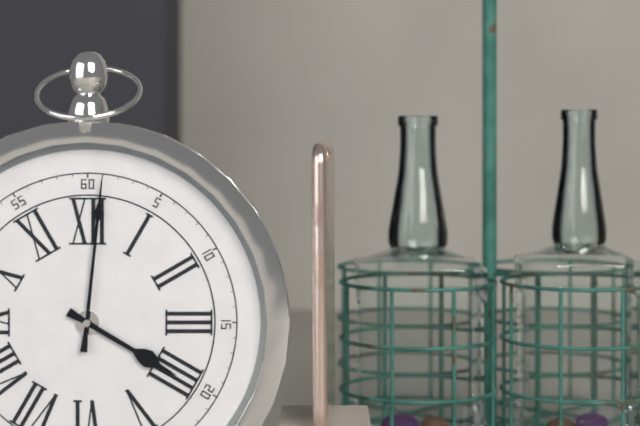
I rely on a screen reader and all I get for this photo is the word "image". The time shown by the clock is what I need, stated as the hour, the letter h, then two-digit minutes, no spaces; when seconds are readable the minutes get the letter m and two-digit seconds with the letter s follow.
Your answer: 4h01
